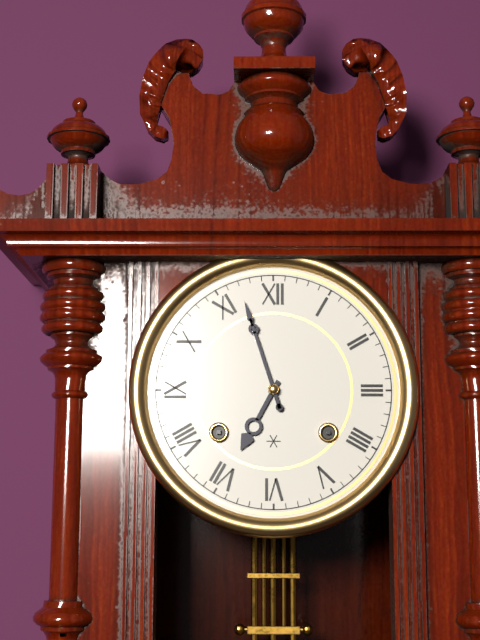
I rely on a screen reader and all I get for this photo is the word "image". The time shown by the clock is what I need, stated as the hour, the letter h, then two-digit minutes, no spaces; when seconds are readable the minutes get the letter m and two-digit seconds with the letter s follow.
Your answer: 6h57
